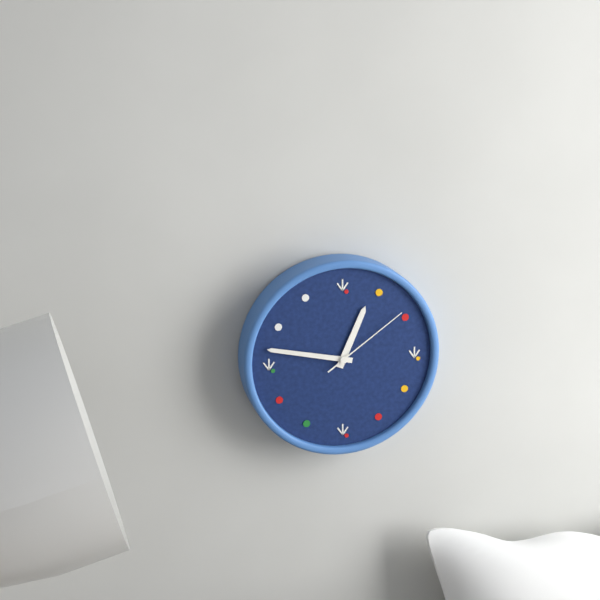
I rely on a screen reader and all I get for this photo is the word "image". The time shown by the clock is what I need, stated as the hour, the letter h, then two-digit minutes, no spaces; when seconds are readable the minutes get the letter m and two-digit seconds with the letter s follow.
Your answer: 12h47m09s
